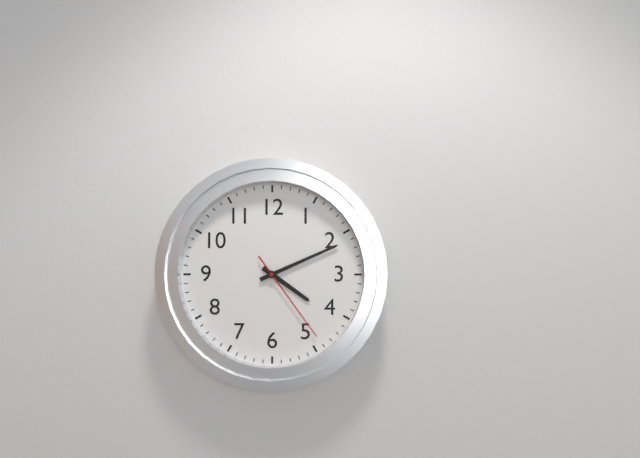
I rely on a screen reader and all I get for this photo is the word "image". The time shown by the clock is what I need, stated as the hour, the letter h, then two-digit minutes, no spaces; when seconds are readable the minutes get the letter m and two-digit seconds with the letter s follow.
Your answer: 4h11m24s
